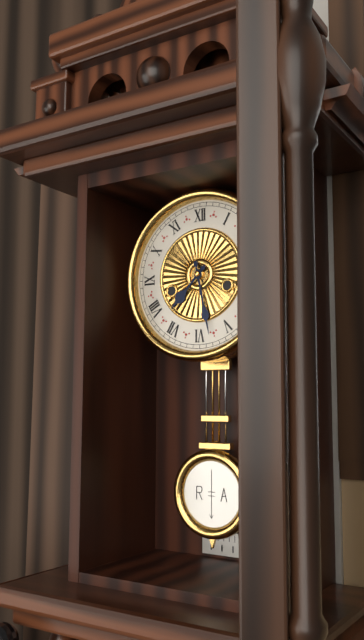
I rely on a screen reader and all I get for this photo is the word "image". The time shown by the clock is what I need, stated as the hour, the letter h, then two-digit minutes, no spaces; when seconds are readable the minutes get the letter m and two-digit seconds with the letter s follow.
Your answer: 7h28
